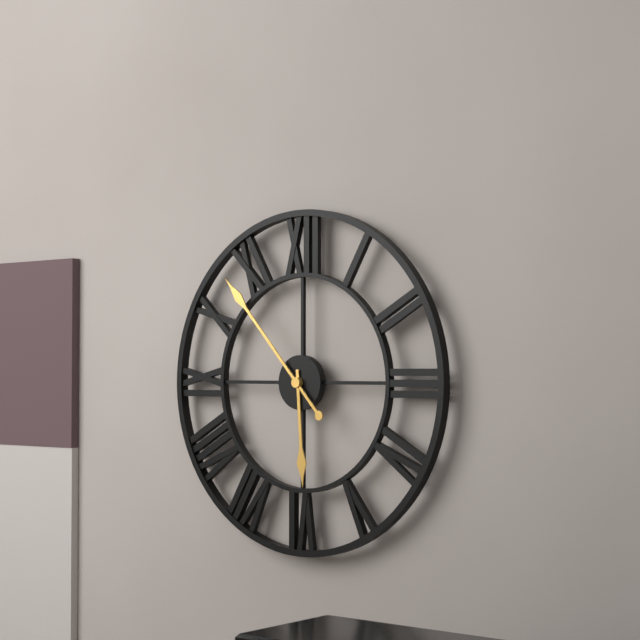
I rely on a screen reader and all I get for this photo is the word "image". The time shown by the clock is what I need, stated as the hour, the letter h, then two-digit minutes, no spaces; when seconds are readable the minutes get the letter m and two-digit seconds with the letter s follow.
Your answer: 5h53
